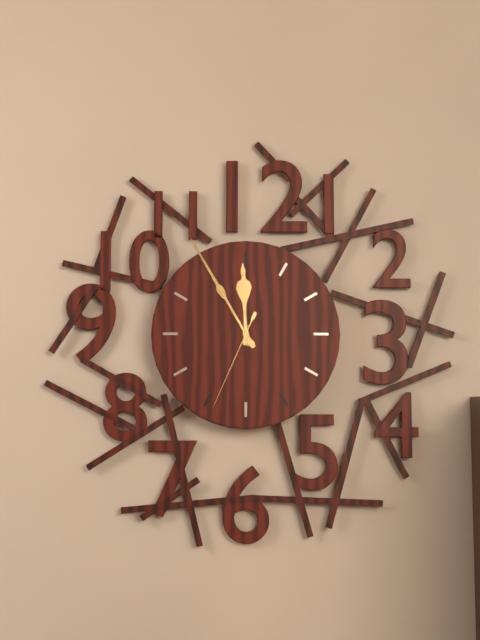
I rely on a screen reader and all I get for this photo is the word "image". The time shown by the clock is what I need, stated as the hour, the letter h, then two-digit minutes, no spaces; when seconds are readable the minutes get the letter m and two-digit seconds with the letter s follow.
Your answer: 11h55m34s
